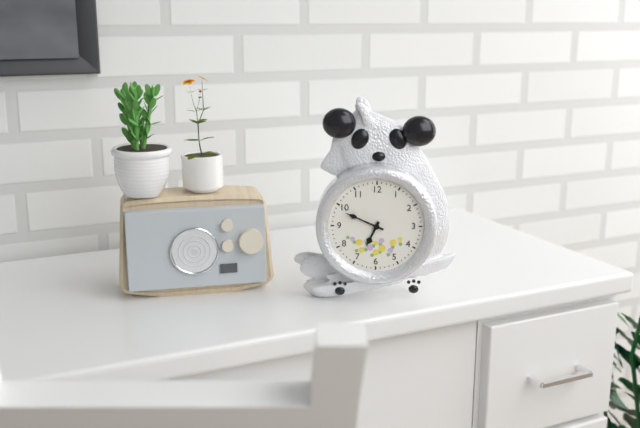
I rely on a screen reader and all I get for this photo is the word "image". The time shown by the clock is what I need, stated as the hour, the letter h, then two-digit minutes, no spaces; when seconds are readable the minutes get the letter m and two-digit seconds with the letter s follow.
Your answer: 6h49
